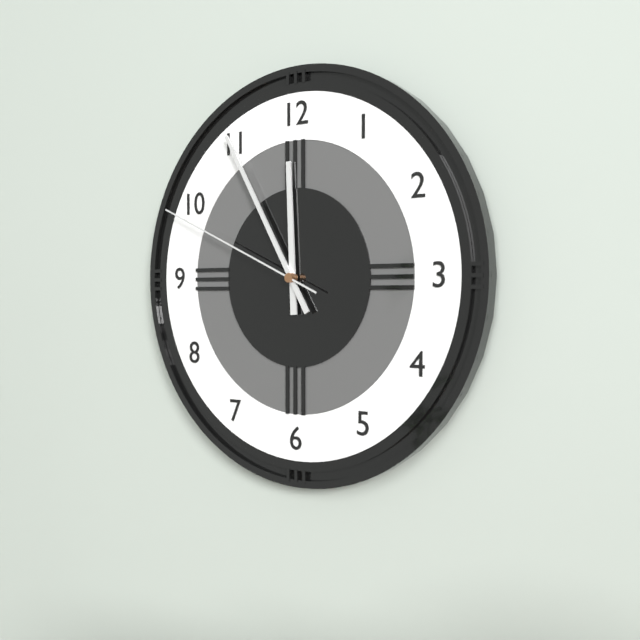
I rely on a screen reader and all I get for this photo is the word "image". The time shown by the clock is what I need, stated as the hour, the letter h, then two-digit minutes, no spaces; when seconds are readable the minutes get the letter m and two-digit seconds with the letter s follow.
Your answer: 11h55m49s
